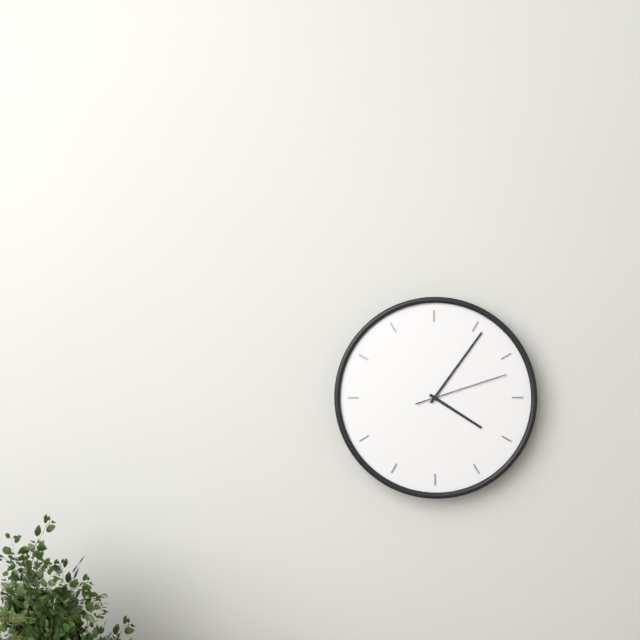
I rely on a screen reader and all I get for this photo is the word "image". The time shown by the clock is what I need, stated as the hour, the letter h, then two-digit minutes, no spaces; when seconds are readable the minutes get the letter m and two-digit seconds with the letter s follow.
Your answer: 4h06m12s
